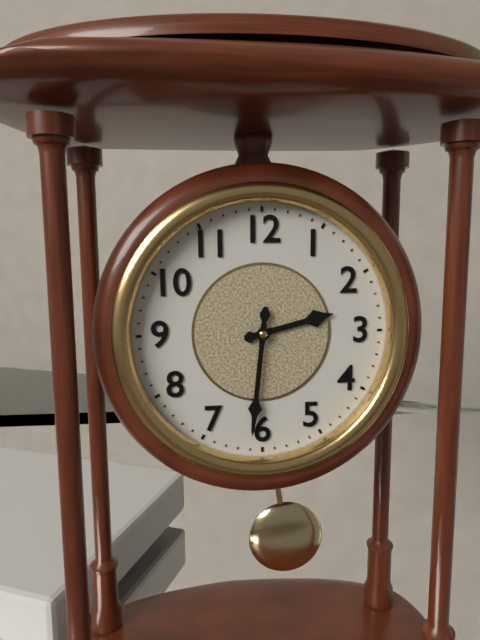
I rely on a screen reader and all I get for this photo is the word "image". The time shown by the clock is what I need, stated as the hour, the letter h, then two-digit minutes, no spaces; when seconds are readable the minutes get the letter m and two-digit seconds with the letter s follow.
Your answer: 2h31
